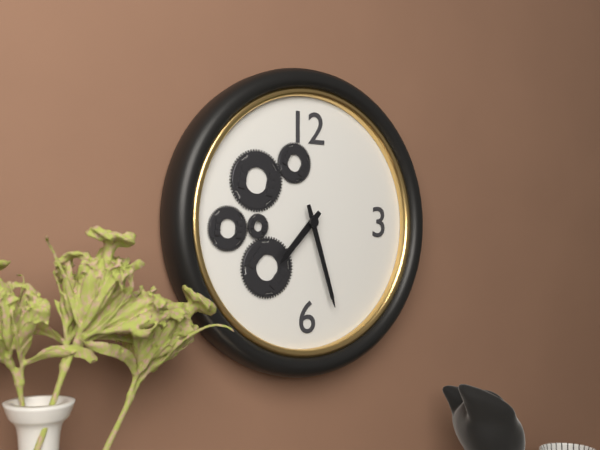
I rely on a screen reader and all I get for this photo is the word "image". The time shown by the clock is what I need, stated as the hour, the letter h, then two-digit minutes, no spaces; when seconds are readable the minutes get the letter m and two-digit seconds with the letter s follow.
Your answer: 7h27
